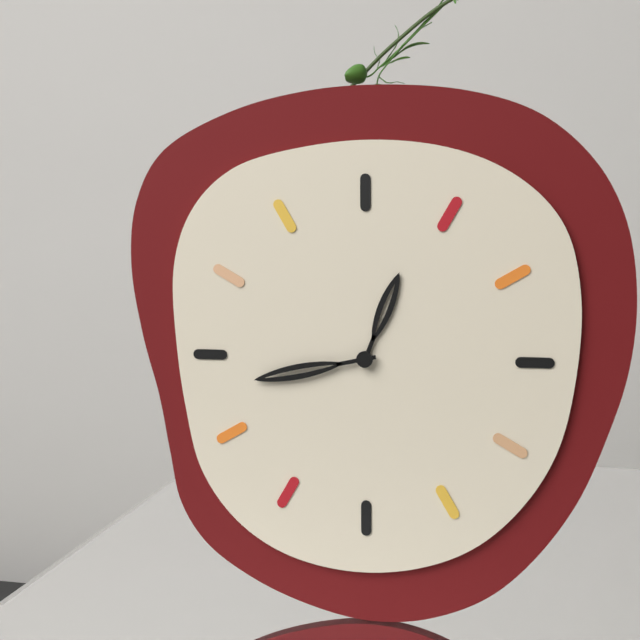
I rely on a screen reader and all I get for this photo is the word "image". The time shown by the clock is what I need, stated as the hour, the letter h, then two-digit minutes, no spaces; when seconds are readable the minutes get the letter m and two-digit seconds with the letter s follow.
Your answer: 12h43
